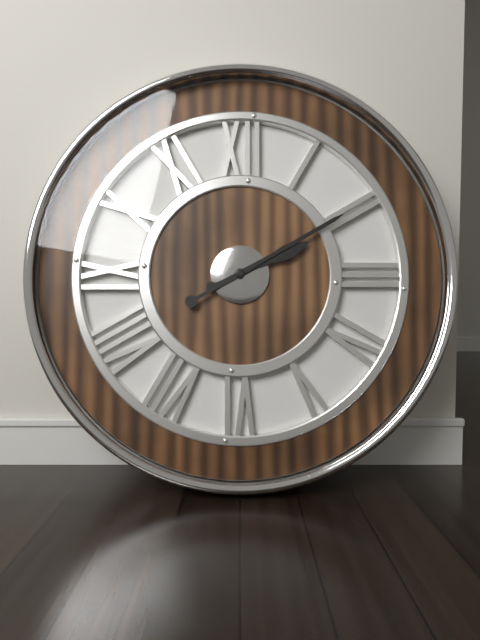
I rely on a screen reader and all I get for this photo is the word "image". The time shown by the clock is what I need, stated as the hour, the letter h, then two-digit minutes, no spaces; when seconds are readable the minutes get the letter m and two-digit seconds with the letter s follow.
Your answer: 2h10
